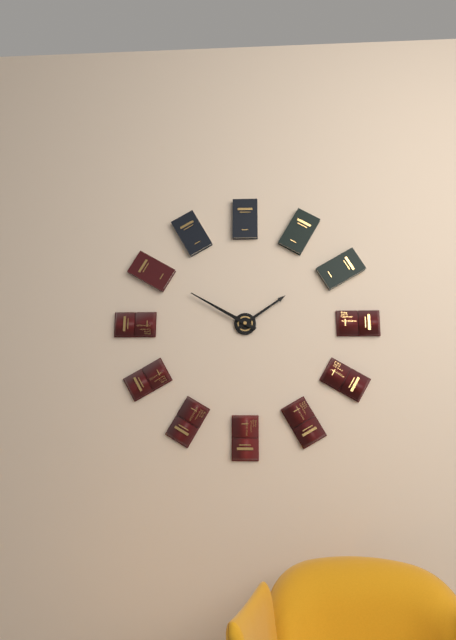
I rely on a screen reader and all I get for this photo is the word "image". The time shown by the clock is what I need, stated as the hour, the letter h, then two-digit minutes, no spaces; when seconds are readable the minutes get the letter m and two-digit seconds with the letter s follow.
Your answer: 1h50
